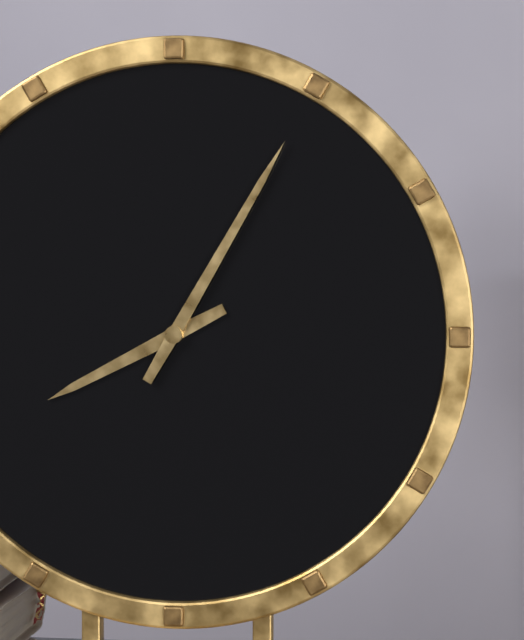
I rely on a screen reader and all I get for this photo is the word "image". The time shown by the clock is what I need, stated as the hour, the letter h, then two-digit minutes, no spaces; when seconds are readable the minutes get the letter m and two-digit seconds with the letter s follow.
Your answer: 8h05
